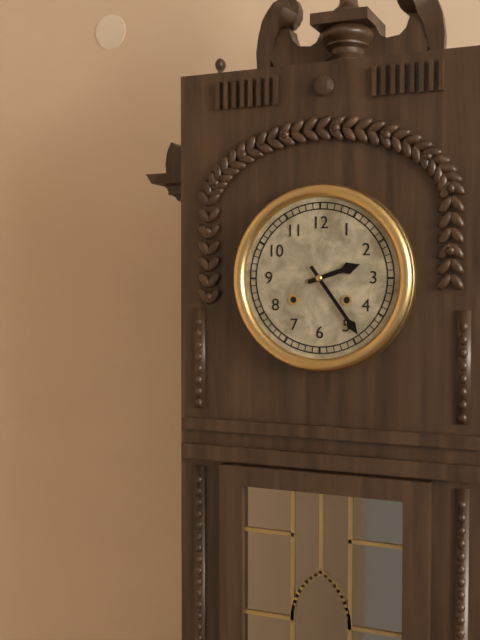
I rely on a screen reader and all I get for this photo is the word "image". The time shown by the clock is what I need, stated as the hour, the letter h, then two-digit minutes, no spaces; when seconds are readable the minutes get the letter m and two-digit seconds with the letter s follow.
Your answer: 2h24
